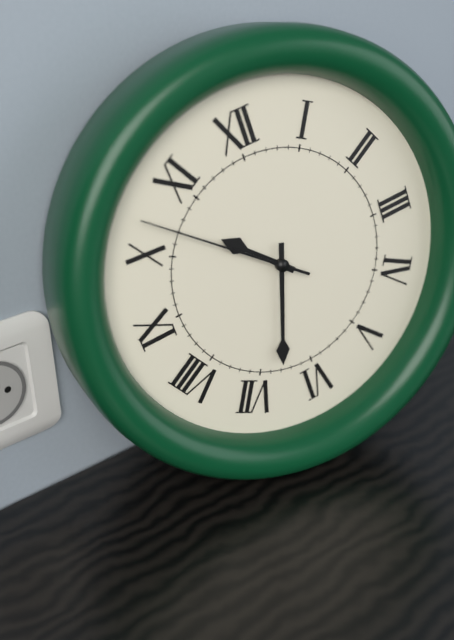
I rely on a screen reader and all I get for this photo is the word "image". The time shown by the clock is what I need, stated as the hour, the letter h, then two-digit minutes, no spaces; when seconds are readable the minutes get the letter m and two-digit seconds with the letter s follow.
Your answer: 10h33m52s
